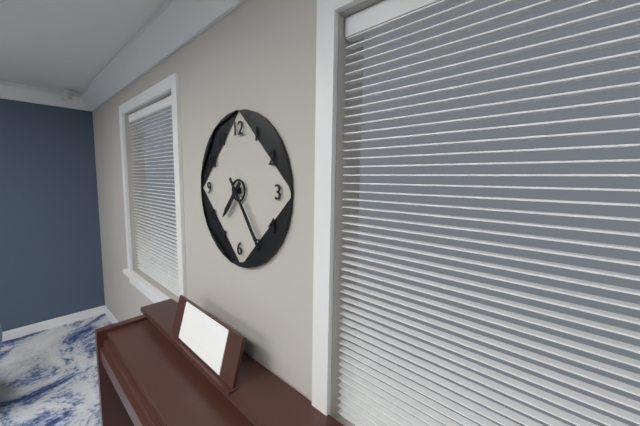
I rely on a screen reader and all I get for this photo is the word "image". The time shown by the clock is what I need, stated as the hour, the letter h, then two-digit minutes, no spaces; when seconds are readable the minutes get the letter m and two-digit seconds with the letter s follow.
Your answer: 7h24
